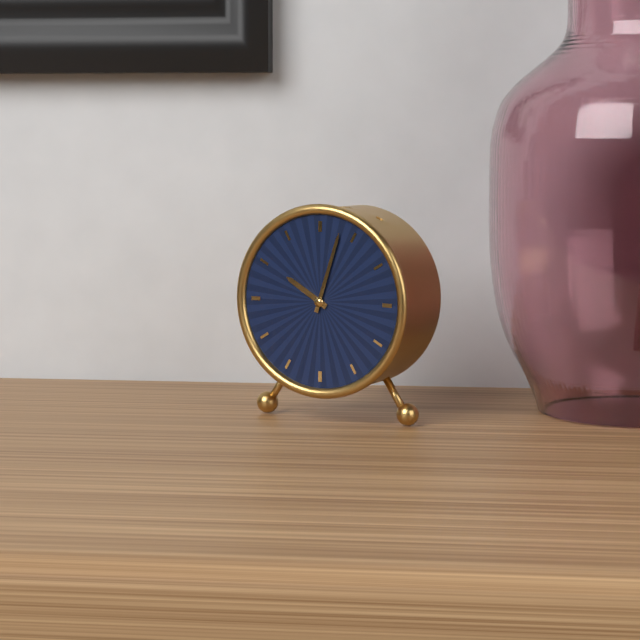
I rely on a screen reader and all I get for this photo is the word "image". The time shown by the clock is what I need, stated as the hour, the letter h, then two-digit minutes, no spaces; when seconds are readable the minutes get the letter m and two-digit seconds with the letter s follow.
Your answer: 10h03
